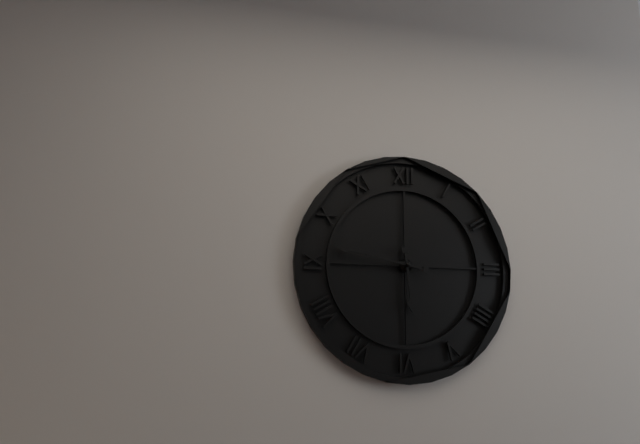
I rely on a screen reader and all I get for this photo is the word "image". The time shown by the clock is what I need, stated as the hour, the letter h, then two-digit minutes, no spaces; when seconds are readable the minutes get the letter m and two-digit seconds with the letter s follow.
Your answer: 5h47
